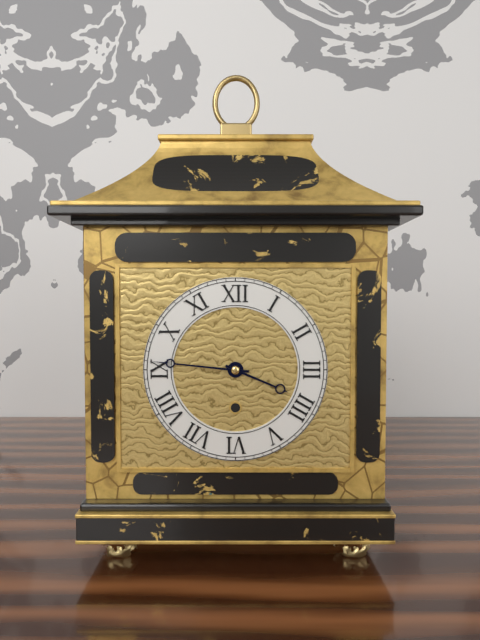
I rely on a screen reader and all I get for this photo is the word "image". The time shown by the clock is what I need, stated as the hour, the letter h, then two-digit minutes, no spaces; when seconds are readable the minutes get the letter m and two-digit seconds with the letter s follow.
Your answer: 3h46
